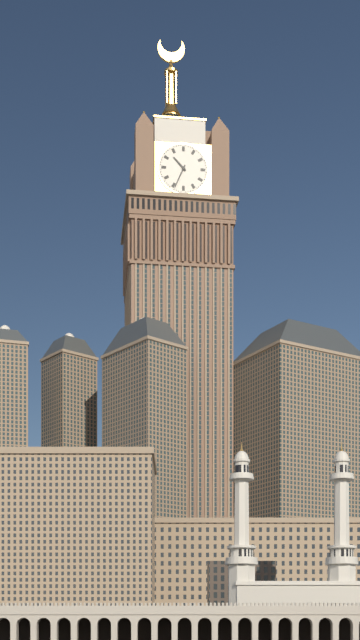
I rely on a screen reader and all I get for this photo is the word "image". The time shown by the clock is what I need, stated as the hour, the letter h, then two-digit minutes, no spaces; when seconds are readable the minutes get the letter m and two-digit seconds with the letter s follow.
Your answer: 10h34
